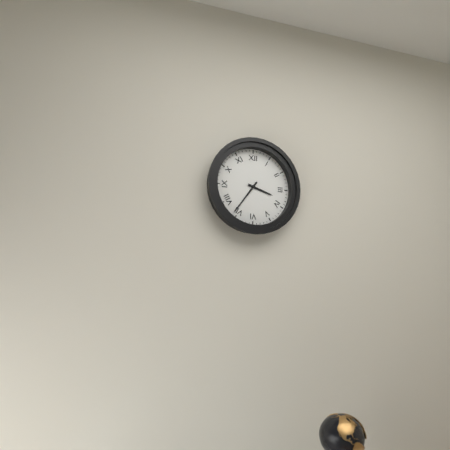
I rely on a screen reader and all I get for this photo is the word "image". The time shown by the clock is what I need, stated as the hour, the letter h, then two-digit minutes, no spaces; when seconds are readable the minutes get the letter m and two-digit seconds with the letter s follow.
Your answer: 3h36
